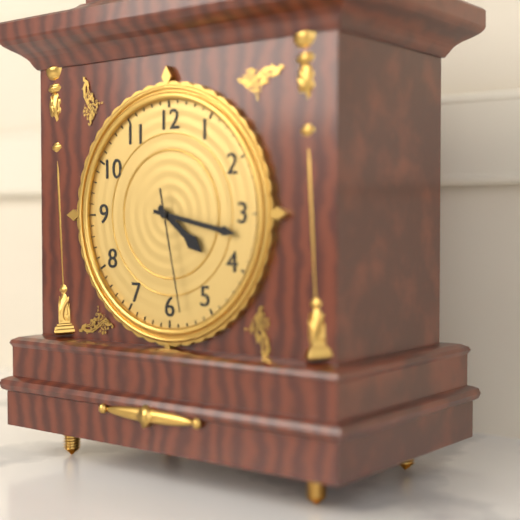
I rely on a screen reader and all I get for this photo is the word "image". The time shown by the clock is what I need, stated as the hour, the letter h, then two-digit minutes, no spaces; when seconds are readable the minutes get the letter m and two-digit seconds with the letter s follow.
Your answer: 4h17m28s
